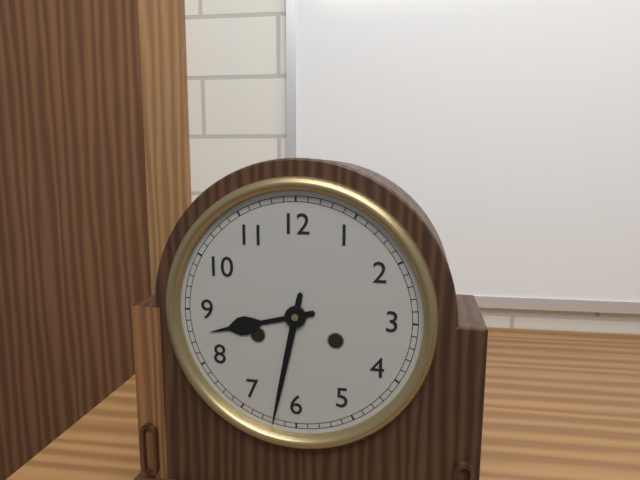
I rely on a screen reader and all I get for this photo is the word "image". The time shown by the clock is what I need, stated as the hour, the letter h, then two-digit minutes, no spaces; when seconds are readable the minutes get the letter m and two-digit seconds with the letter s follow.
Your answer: 8h32
